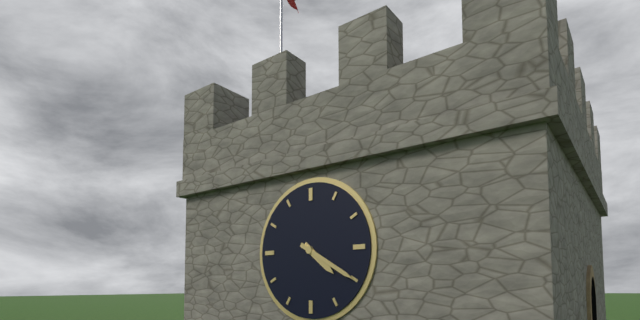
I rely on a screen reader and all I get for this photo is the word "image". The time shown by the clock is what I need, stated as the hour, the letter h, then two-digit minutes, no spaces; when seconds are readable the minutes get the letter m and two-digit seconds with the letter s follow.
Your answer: 4h20
